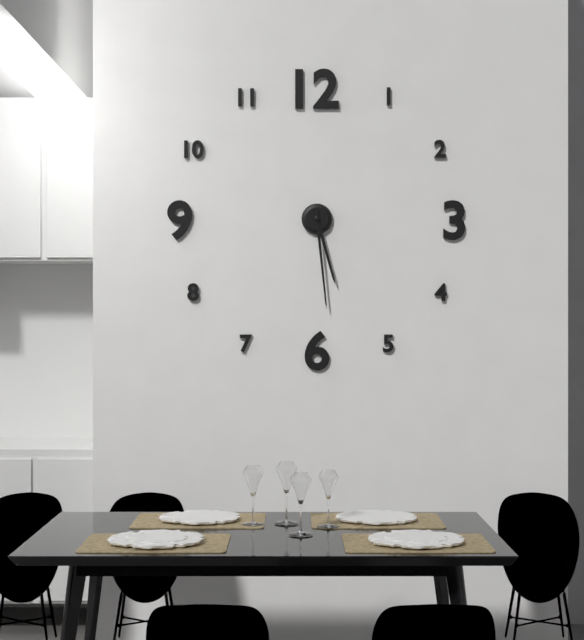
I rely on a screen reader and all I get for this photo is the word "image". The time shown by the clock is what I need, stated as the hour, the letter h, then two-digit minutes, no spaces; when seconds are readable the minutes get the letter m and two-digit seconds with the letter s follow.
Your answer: 5h29
